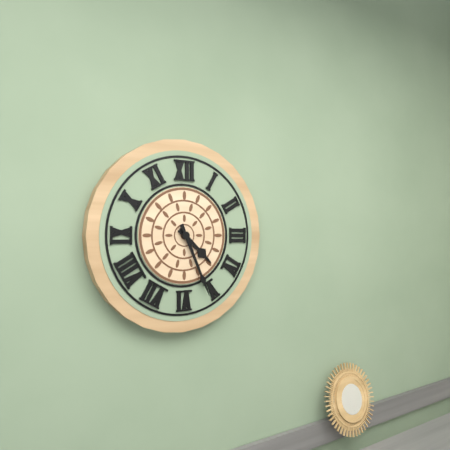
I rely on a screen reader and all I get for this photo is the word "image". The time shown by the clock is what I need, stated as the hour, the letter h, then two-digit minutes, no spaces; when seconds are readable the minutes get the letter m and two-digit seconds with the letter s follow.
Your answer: 4h26
